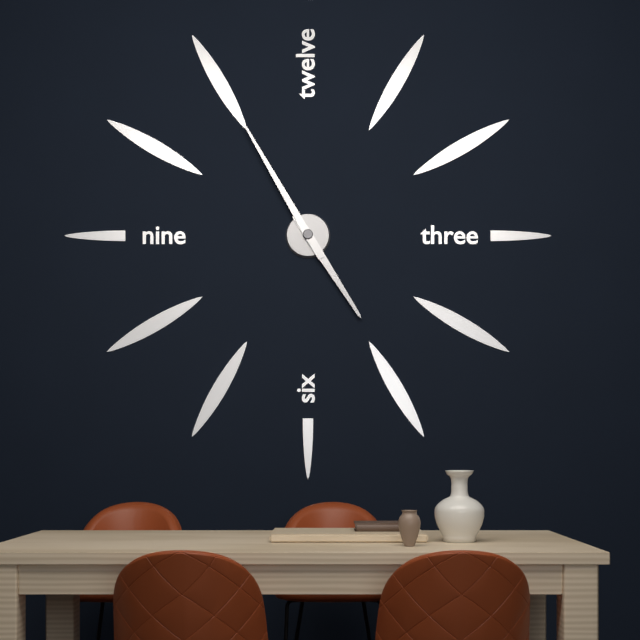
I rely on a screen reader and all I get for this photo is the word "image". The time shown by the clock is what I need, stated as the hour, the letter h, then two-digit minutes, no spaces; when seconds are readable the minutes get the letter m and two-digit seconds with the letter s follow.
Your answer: 4h55
